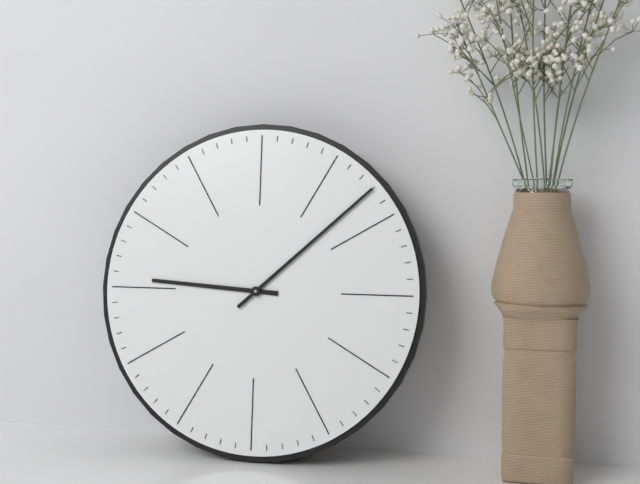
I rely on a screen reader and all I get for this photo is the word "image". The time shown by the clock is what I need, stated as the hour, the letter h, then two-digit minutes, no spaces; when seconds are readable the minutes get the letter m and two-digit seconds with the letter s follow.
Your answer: 9h08
